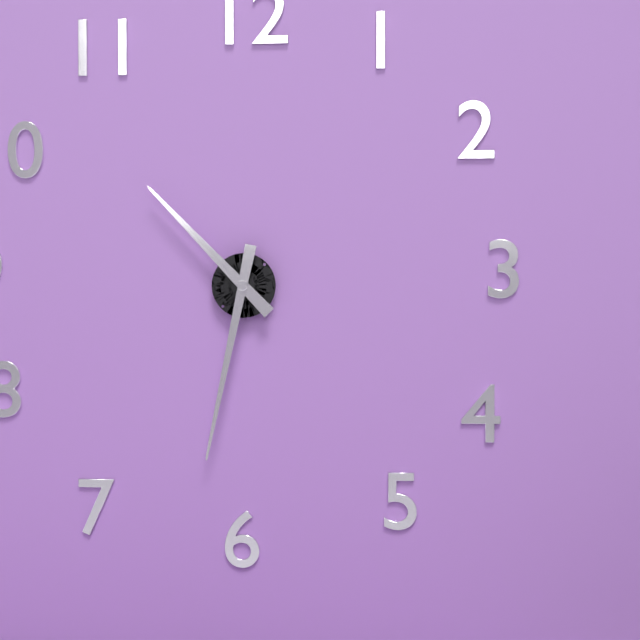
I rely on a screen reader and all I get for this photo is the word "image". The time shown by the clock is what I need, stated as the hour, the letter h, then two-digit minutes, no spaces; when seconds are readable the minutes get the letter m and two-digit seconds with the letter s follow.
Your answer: 10h32
